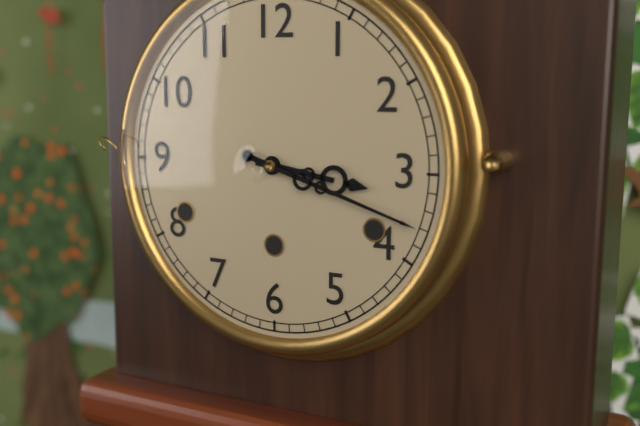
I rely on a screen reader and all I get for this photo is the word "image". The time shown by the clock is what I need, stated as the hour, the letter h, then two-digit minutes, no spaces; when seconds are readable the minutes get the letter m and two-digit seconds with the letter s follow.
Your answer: 3h18
